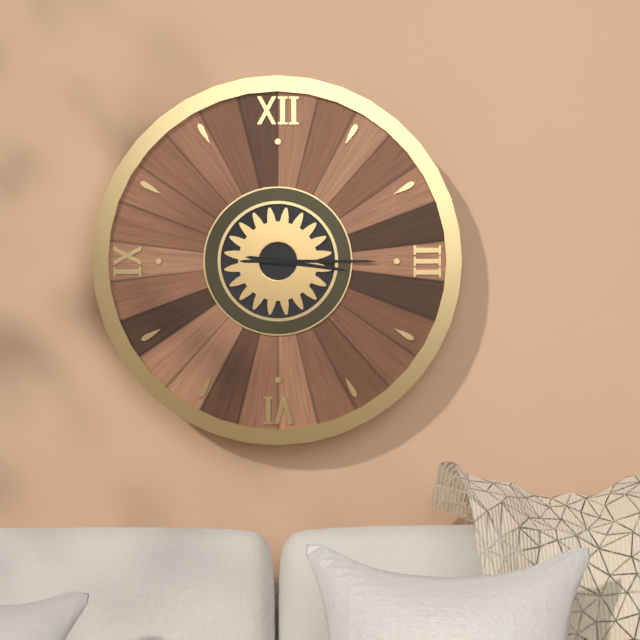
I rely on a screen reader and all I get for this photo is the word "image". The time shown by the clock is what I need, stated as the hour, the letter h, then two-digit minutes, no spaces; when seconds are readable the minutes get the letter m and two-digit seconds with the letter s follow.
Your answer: 3h15
